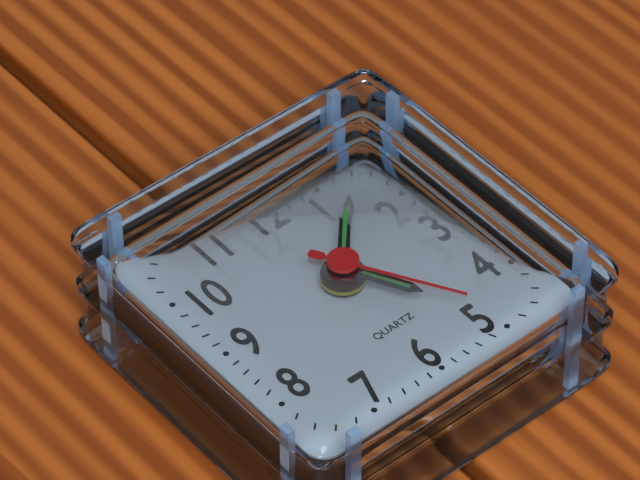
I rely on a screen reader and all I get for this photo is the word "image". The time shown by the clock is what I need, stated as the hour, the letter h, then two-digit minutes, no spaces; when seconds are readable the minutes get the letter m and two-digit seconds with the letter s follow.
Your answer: 5h07m25s
